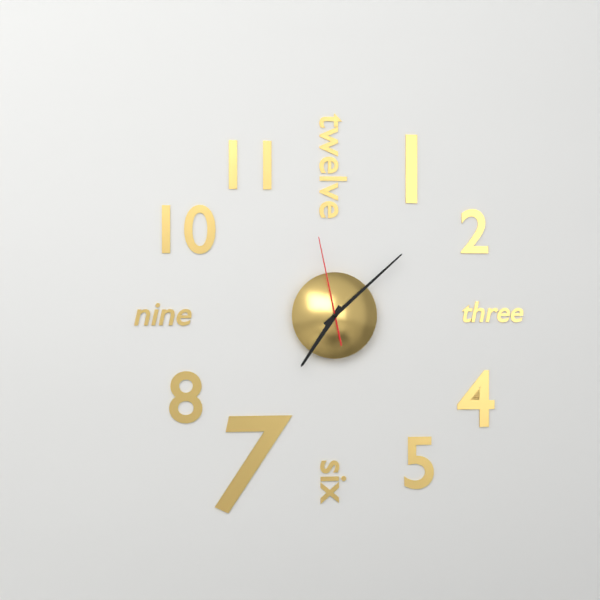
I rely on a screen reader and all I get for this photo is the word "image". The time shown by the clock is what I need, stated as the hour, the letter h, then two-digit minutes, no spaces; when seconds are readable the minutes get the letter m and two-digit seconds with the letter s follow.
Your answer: 7h08m58s
